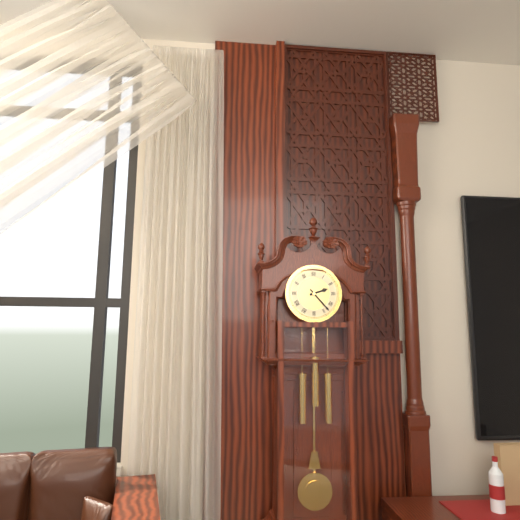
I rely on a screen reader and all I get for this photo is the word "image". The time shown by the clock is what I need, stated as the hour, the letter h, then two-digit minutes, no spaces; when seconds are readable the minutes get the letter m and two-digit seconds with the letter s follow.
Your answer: 2h23
